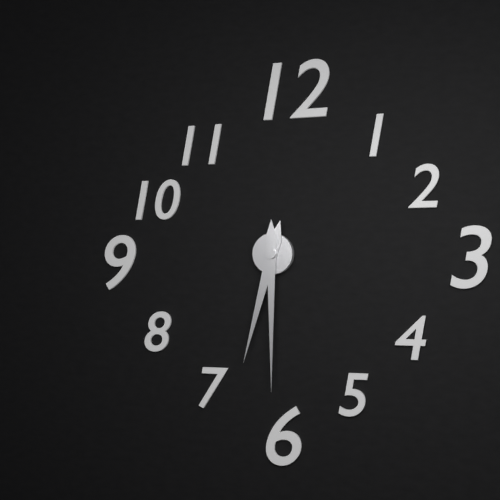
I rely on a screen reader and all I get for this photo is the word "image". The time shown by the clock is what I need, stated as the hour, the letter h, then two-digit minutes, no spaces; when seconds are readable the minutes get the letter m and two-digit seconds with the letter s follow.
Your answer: 6h30
